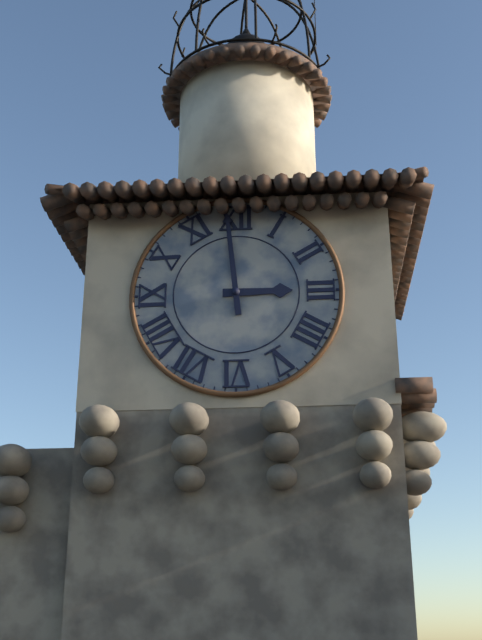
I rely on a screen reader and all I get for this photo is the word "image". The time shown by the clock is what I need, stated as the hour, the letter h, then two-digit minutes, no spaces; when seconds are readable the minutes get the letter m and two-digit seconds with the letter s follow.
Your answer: 2h59
